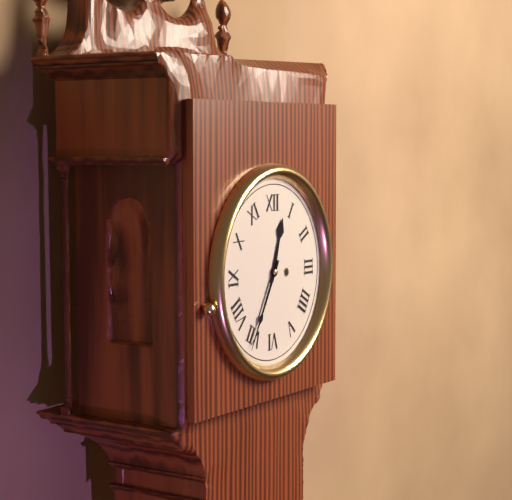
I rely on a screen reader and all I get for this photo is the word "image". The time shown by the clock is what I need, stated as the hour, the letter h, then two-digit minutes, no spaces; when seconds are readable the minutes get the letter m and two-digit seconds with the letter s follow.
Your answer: 12h35
